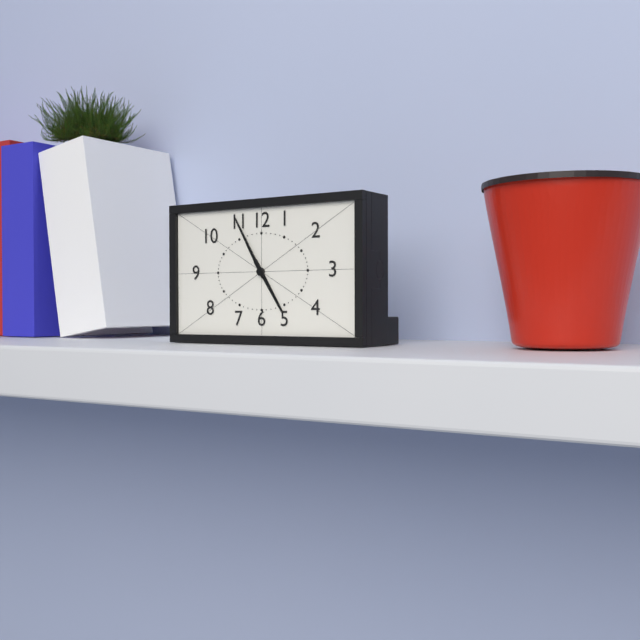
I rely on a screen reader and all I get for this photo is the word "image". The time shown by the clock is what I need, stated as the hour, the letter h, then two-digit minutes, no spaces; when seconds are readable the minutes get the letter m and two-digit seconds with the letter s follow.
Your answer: 4h55
